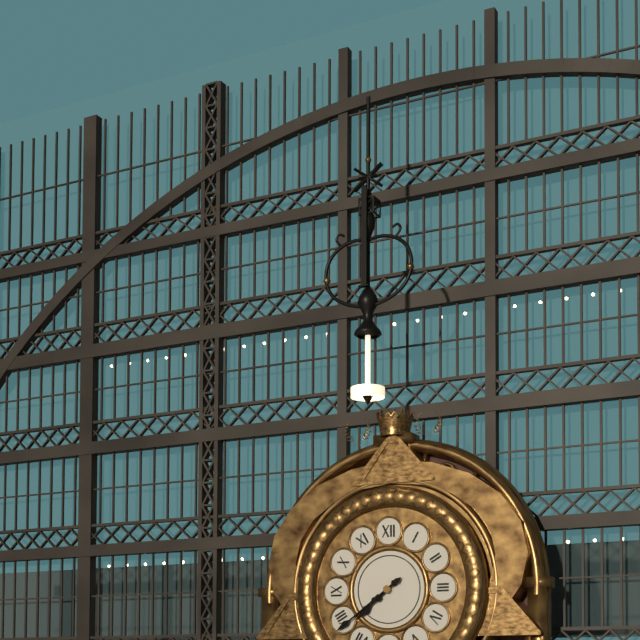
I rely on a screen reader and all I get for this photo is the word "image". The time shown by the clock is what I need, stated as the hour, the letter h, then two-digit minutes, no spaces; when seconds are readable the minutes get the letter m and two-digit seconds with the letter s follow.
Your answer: 7h39
